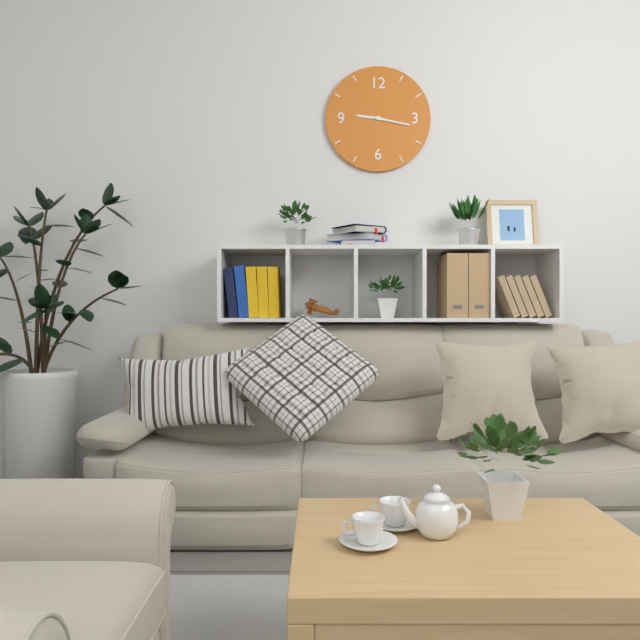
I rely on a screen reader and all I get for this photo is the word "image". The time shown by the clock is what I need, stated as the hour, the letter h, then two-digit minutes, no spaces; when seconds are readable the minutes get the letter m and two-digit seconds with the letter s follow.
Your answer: 9h17
